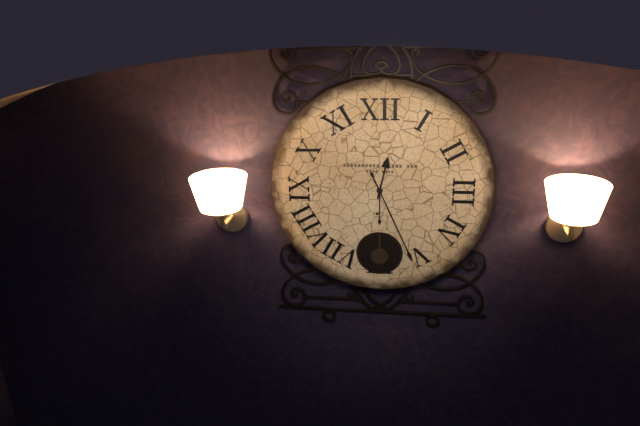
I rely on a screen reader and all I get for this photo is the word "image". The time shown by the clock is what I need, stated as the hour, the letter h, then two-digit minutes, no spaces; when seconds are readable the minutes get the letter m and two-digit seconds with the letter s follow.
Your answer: 12h26
